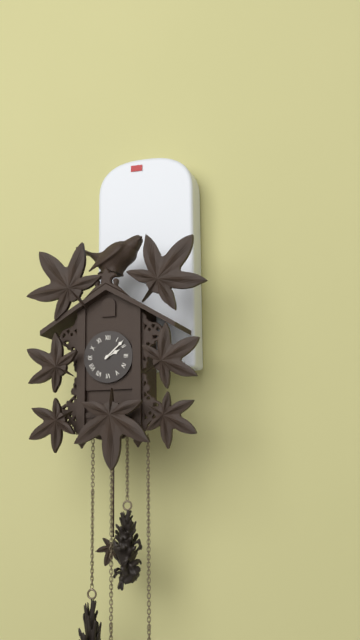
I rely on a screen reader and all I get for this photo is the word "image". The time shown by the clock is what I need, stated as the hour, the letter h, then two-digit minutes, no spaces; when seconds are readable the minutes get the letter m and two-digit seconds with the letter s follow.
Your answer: 2h08
